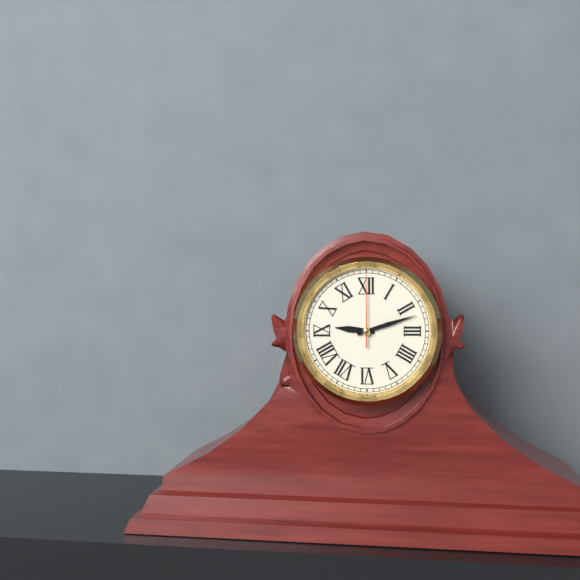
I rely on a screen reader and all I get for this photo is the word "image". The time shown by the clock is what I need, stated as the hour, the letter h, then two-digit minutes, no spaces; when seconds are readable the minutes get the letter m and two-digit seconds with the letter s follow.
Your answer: 9h12m00s
